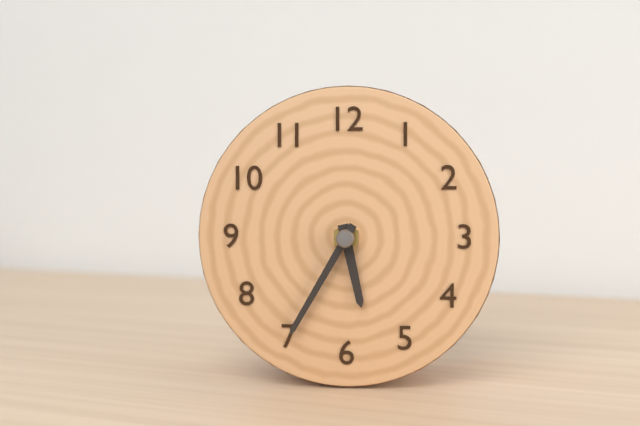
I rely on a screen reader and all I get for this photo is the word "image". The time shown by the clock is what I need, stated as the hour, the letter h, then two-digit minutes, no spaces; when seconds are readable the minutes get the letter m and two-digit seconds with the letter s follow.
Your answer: 5h35
